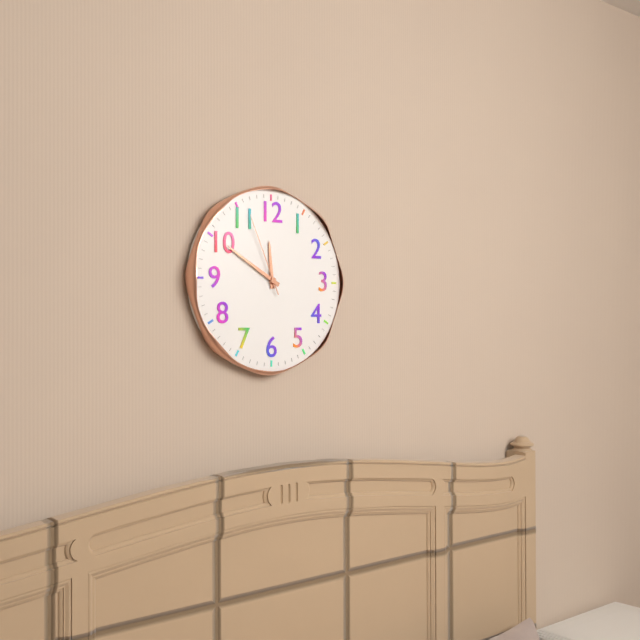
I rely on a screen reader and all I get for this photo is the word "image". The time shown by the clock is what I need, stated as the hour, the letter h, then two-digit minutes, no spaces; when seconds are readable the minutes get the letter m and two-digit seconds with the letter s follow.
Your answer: 11h50m56s
